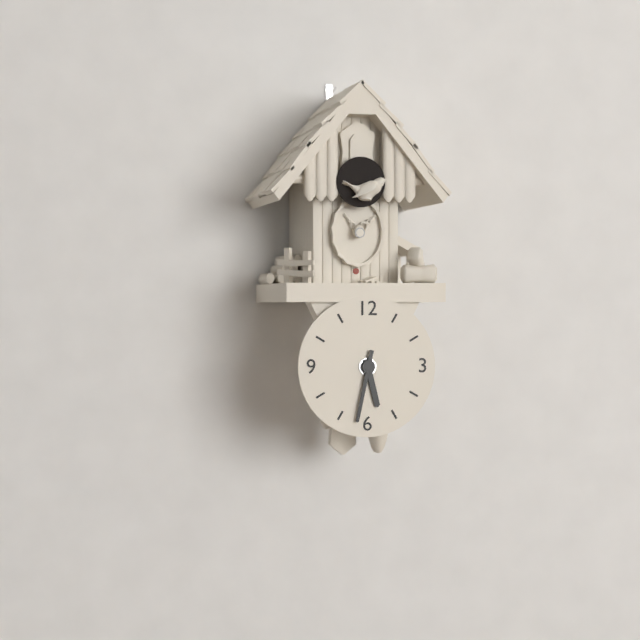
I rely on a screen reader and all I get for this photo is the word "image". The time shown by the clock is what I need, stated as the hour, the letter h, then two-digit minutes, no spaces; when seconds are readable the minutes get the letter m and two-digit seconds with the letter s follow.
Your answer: 5h32
